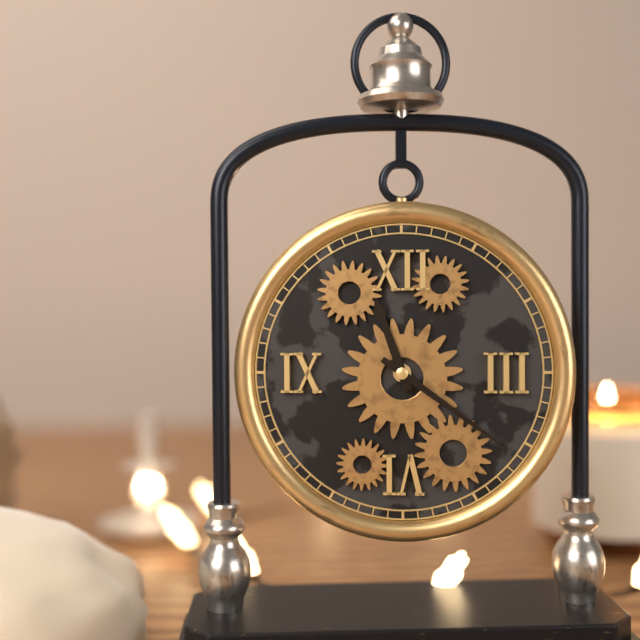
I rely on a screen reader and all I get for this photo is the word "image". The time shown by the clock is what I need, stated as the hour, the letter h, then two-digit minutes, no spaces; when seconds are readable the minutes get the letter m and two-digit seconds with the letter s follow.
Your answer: 11h21
